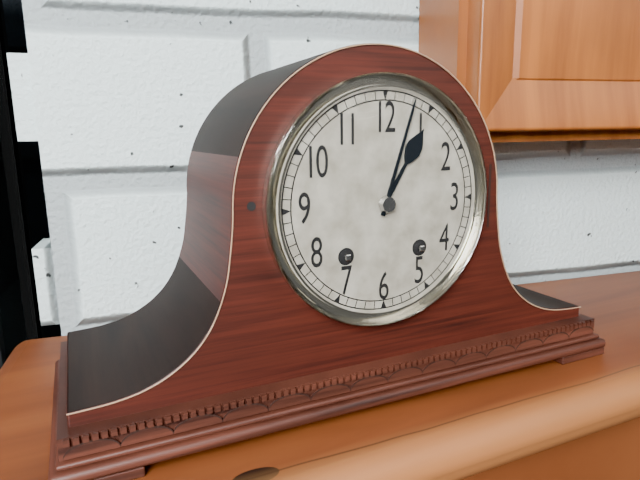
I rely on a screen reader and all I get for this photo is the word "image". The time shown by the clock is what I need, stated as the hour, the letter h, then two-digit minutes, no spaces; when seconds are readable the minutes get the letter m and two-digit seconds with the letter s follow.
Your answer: 1h03
